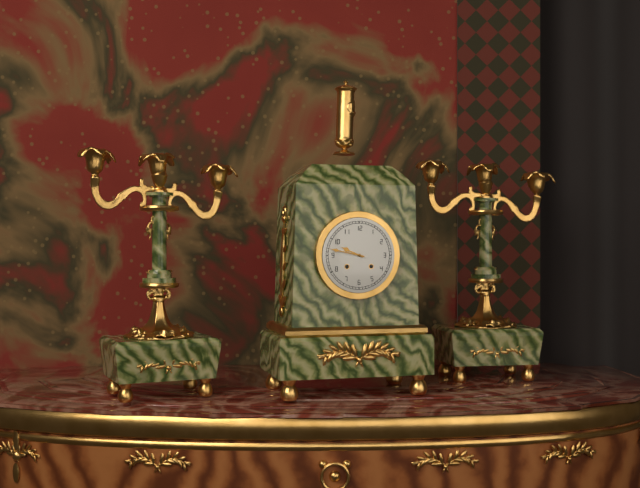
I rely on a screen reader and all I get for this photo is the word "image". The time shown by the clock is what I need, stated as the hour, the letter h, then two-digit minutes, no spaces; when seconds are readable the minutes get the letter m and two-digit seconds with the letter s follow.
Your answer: 9h47
